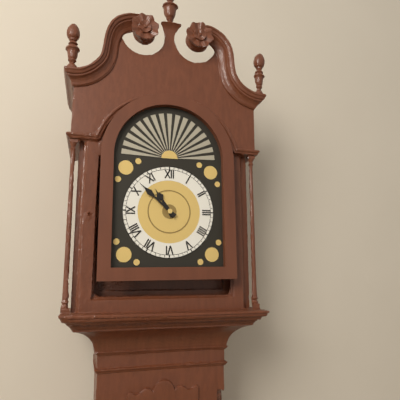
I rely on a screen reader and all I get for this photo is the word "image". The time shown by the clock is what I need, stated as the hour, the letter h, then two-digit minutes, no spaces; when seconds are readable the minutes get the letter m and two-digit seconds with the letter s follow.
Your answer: 10h52
